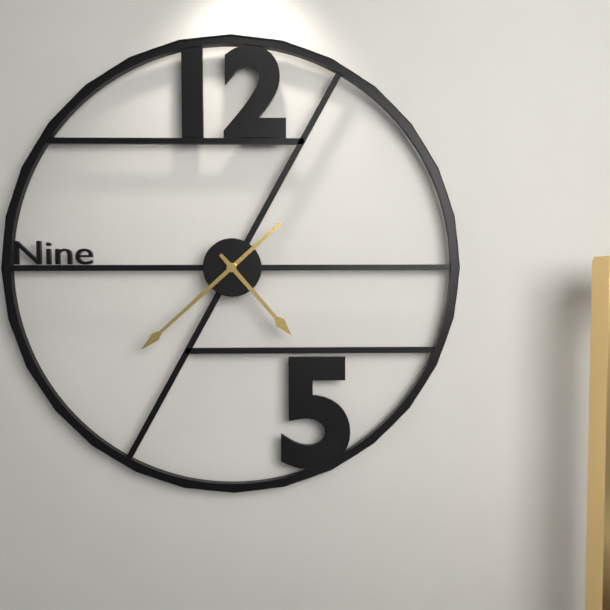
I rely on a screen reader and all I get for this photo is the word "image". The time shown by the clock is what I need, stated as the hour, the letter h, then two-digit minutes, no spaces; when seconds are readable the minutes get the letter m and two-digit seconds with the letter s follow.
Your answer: 4h38
